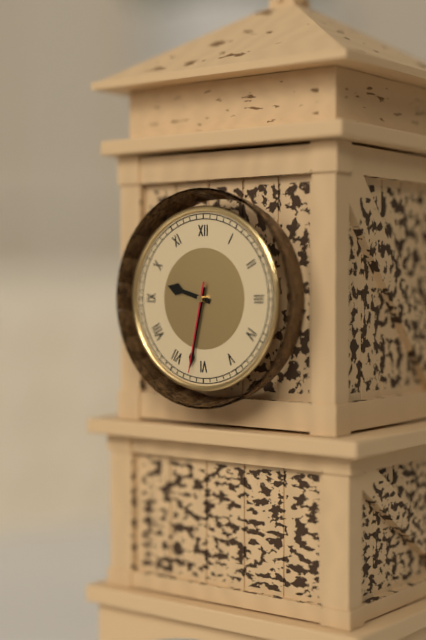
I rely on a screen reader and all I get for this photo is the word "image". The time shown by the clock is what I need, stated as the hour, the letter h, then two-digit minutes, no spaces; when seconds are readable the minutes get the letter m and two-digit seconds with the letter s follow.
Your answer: 9h32m32s
